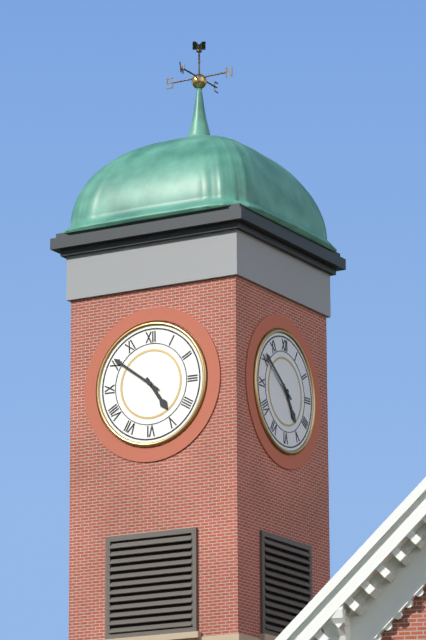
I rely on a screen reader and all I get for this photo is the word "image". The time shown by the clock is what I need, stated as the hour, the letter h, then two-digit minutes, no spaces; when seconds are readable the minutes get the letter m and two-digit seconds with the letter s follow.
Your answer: 4h51
